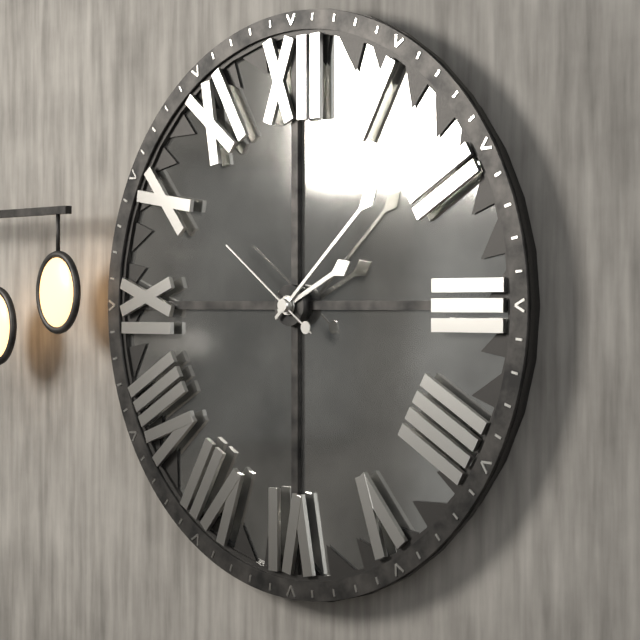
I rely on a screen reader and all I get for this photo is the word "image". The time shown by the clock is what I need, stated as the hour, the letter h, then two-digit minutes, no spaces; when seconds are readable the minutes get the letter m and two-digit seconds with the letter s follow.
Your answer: 2h08m51s
